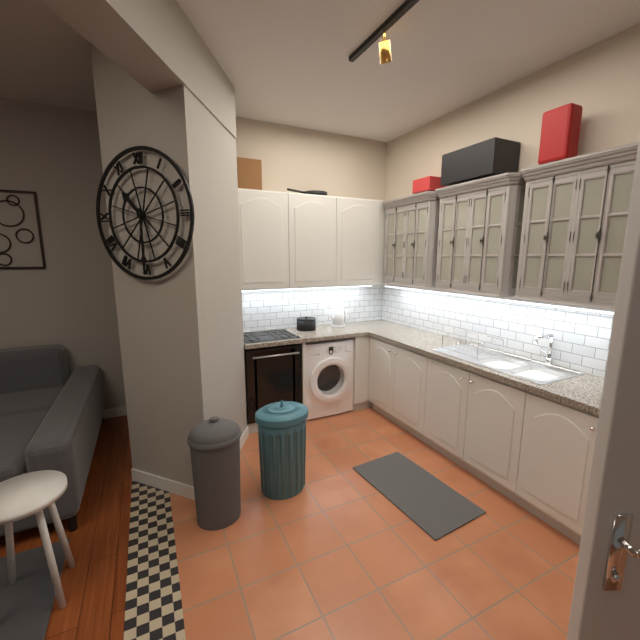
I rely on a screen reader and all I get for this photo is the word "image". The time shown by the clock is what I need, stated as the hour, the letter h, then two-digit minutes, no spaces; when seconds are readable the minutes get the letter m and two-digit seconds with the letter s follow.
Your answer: 10h30
